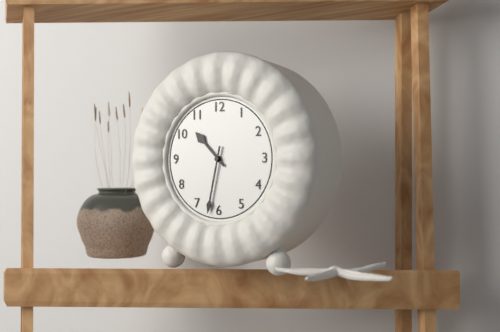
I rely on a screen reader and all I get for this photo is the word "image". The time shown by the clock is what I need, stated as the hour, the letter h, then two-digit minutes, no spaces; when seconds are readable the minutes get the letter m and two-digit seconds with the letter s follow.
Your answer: 10h32
